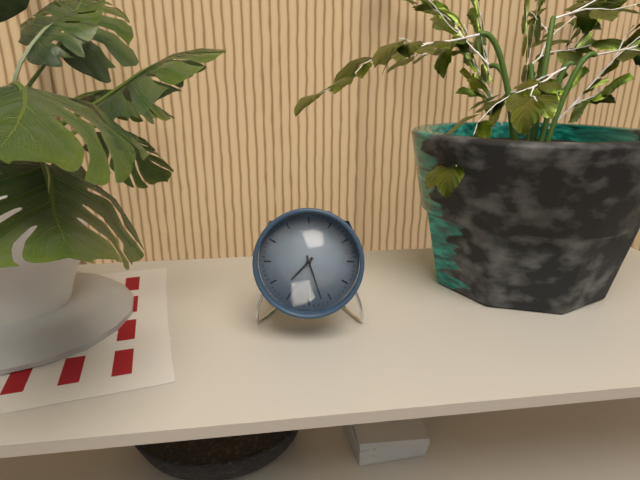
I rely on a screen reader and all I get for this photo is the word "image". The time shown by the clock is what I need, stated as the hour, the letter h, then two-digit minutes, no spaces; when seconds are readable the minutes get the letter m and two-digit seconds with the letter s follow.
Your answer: 7h27
